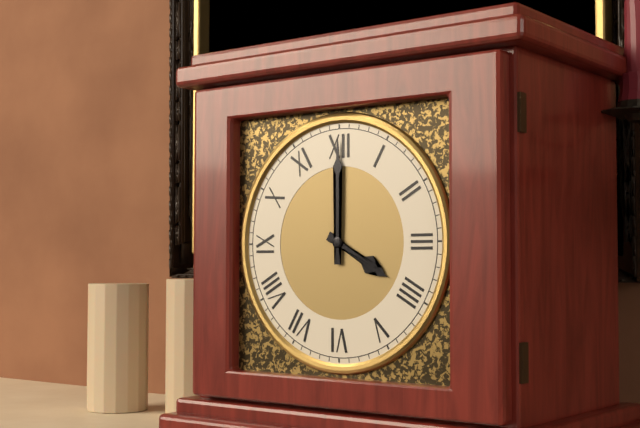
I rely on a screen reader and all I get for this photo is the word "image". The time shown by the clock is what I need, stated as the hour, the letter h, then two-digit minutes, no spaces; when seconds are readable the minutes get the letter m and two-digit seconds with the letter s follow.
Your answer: 4h00
